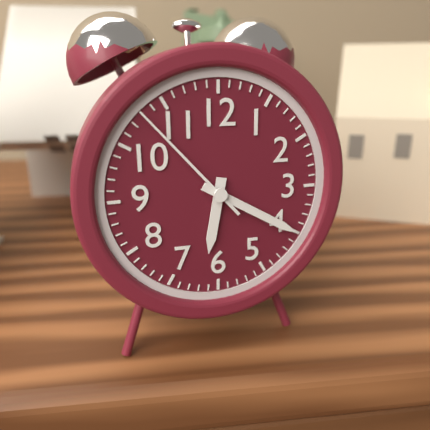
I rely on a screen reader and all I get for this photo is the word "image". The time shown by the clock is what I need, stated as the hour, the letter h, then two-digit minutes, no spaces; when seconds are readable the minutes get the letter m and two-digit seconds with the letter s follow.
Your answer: 6h20m53s
